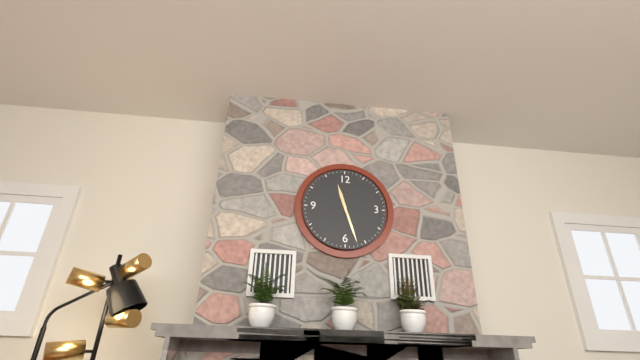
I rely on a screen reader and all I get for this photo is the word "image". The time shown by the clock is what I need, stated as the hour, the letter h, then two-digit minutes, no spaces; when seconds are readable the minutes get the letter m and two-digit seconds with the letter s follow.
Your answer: 11h27
